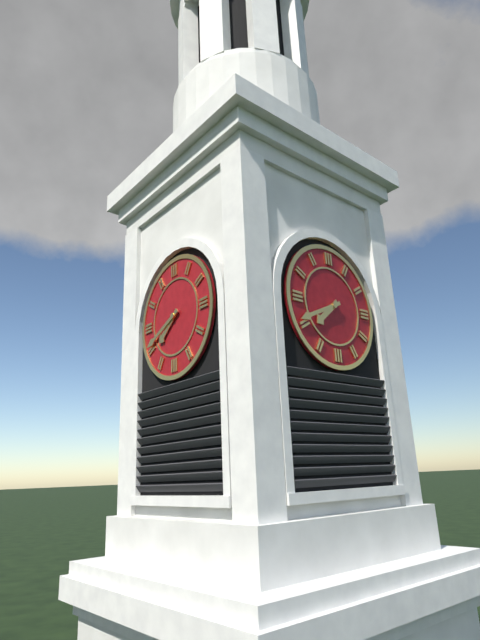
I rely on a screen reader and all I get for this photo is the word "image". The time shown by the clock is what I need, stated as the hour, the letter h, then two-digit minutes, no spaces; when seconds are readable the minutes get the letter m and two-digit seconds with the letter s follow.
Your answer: 7h41
